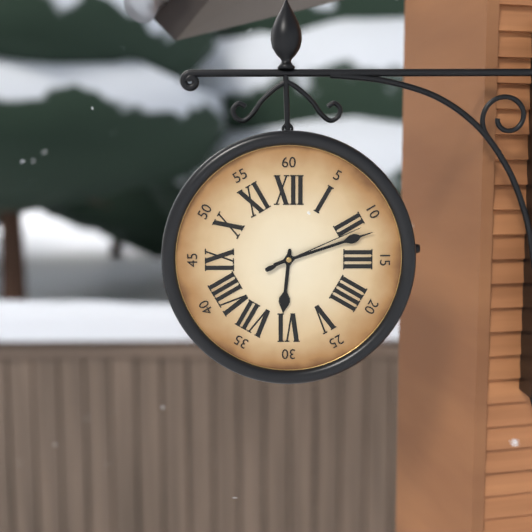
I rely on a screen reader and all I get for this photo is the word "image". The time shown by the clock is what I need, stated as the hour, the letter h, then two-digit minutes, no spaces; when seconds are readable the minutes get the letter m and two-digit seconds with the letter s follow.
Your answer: 6h12m11s
